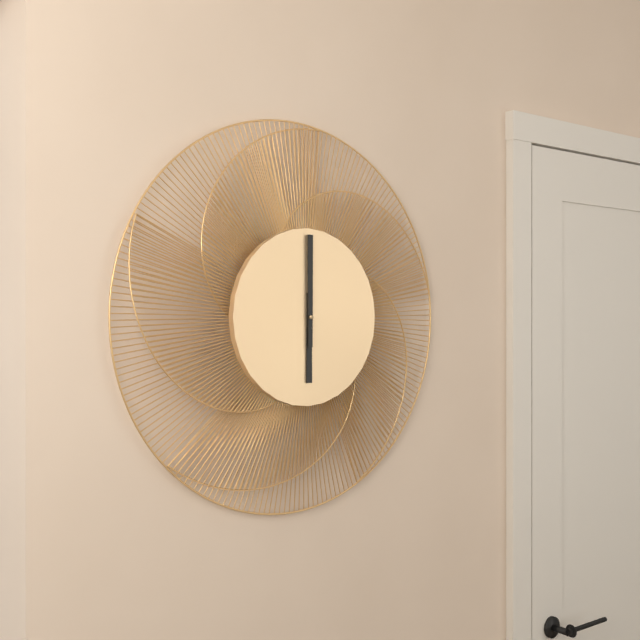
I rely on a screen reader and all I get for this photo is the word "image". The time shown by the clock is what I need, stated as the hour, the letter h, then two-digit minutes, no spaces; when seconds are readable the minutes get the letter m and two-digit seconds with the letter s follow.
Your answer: 6h00
